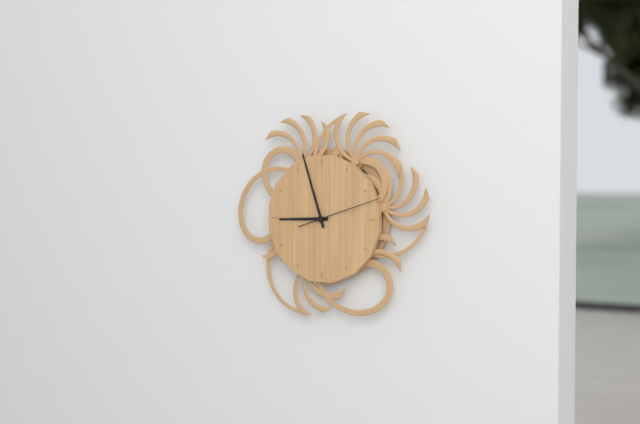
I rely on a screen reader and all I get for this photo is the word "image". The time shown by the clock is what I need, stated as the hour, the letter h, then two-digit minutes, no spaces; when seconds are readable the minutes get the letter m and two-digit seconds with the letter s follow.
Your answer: 8h57m12s
